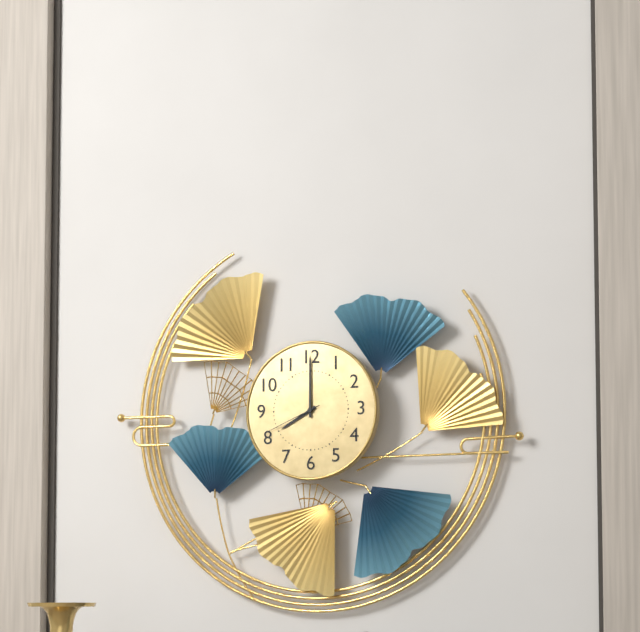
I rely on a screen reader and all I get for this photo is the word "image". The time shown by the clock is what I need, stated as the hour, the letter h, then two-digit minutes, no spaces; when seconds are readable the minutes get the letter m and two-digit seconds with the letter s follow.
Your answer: 8h00m41s
